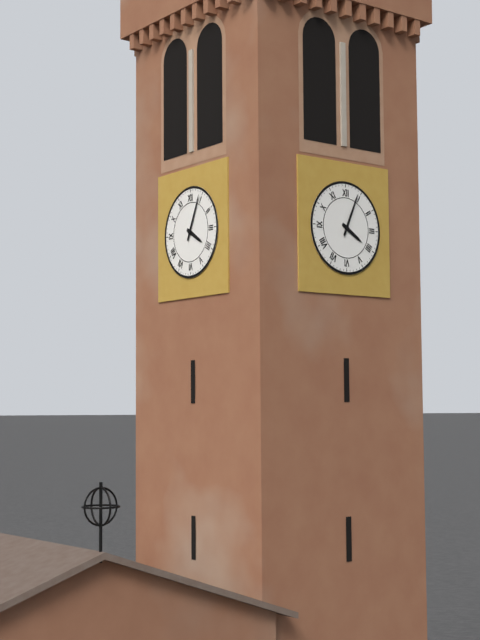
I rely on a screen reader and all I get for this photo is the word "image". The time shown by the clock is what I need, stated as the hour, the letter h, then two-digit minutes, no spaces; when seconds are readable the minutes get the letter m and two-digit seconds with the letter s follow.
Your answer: 4h04
